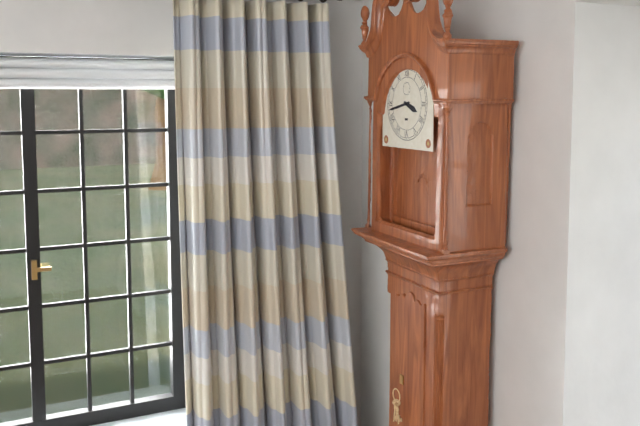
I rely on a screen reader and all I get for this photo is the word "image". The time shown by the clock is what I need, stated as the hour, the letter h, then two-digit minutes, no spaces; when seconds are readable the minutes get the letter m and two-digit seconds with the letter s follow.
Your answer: 3h43
